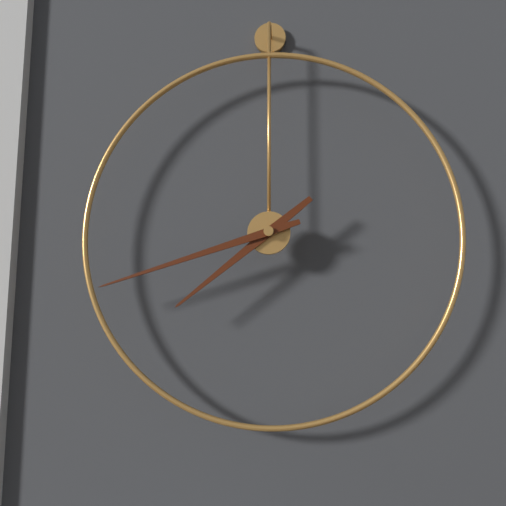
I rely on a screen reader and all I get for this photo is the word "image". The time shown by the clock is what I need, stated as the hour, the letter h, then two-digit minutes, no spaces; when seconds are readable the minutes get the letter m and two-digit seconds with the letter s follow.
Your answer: 7h42
